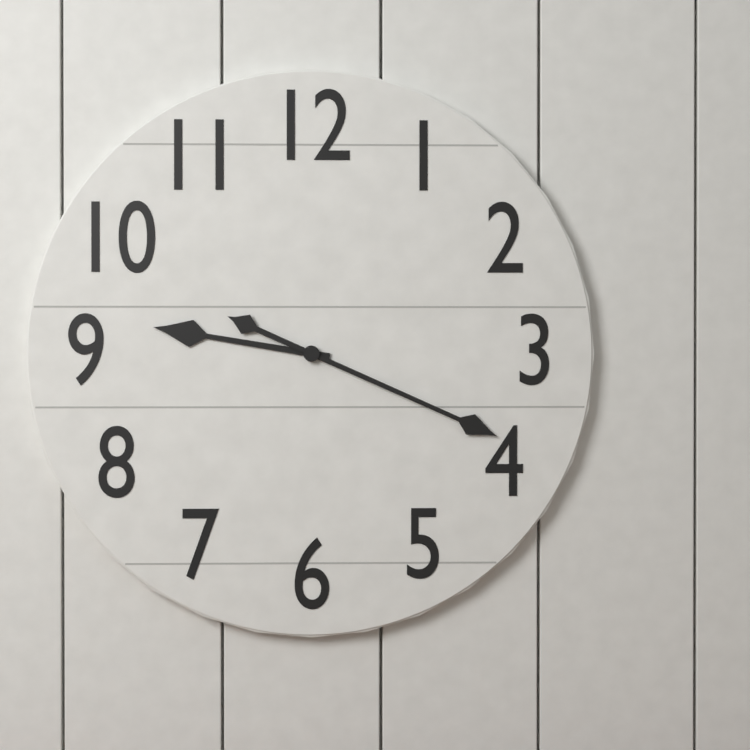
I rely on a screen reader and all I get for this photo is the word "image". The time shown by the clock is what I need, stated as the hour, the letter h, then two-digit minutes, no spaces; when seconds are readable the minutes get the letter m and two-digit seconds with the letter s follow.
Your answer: 9h19
